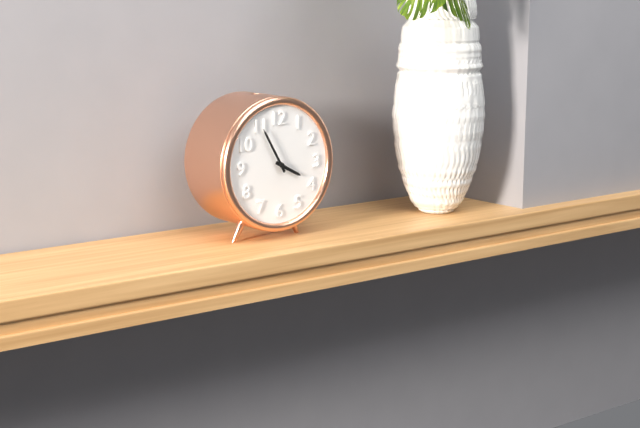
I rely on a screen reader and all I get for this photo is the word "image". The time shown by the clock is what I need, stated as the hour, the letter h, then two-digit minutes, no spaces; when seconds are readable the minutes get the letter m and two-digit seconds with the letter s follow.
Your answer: 3h55
